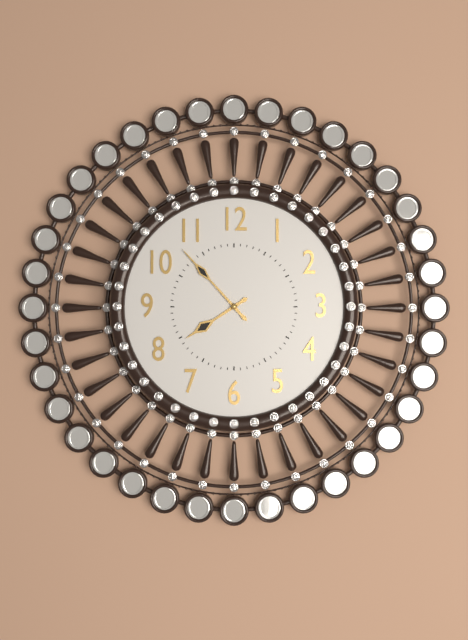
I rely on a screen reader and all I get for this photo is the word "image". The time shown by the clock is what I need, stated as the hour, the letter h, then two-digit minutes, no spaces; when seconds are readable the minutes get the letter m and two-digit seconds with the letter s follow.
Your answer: 7h53
